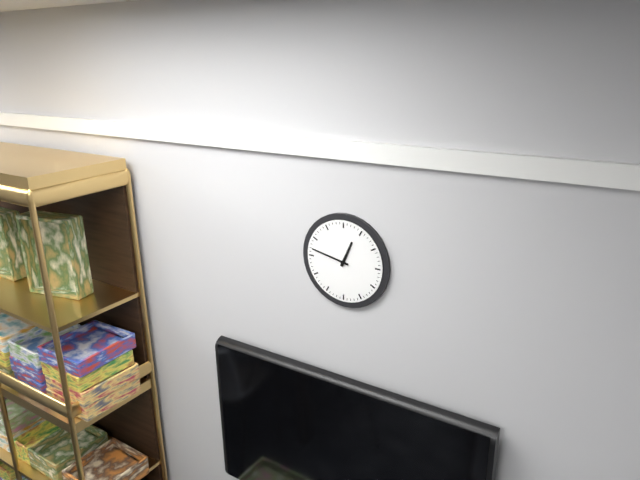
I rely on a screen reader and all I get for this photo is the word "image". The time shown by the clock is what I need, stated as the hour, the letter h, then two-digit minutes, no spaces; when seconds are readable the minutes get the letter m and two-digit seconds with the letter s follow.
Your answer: 12h47
